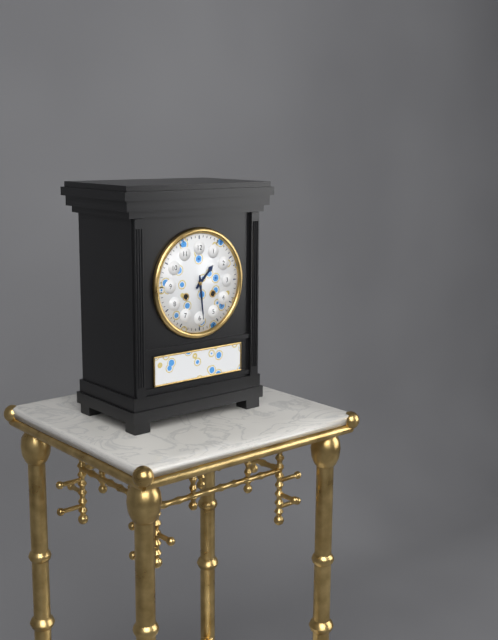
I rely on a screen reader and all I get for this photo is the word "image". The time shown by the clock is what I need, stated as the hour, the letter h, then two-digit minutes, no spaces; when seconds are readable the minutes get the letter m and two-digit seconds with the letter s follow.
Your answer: 1h29
